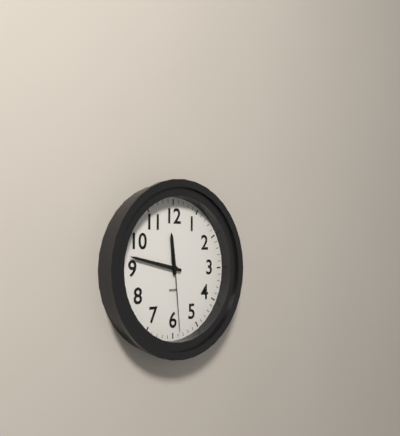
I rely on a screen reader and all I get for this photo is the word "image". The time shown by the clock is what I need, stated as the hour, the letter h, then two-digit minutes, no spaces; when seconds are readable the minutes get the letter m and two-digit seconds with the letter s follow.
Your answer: 11h47m29s
